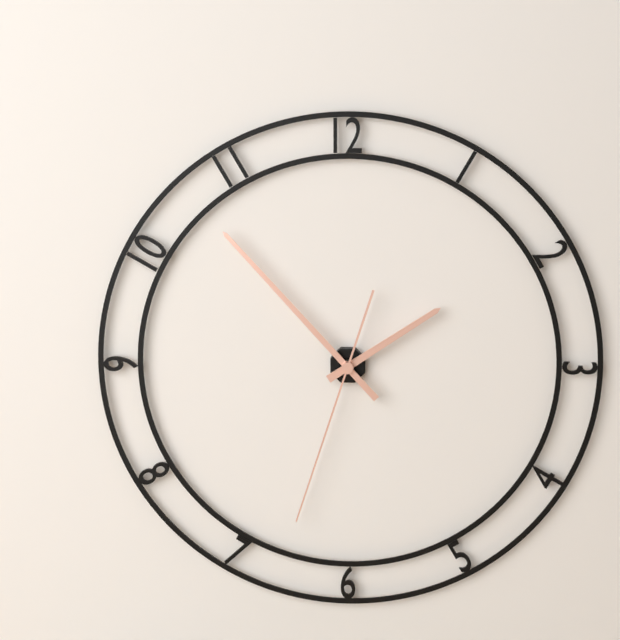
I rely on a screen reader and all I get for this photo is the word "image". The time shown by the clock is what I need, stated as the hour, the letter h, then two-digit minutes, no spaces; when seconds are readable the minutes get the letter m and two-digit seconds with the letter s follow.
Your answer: 1h53m33s
